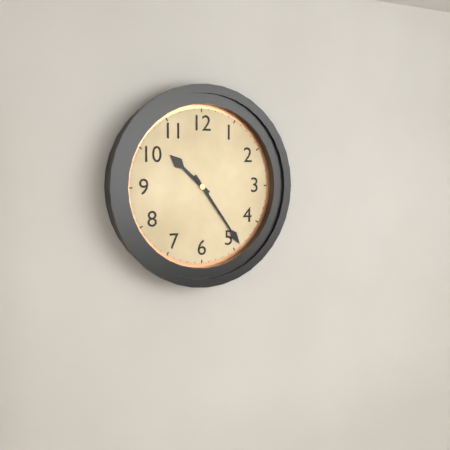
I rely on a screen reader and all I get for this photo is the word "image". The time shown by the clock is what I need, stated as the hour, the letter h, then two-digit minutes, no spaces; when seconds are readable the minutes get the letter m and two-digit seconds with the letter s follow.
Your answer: 10h24
